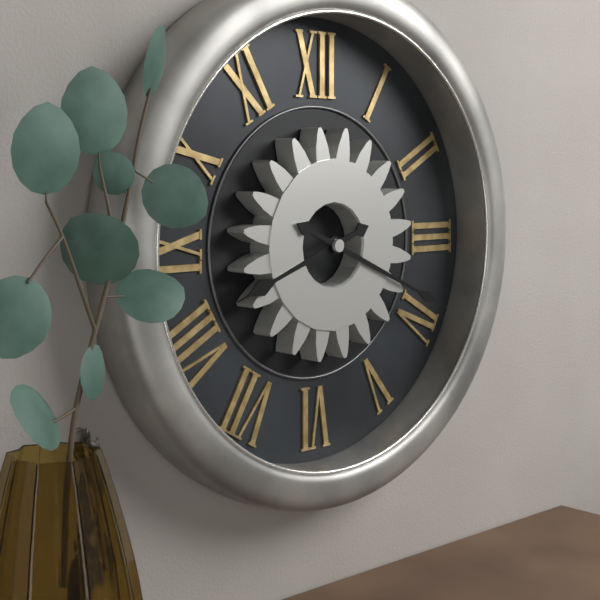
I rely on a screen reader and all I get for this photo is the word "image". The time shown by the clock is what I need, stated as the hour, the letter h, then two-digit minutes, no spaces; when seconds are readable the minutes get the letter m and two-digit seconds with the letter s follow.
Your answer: 8h19
